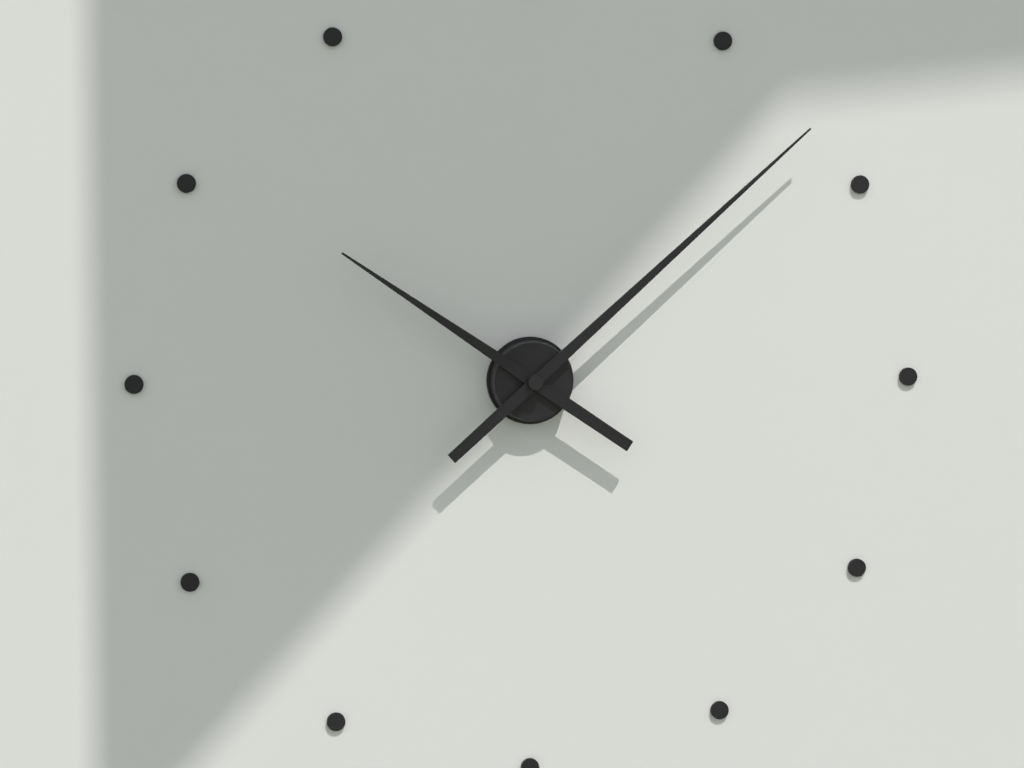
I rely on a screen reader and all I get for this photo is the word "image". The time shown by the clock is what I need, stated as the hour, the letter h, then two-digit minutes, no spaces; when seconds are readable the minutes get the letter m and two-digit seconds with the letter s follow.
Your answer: 10h08
